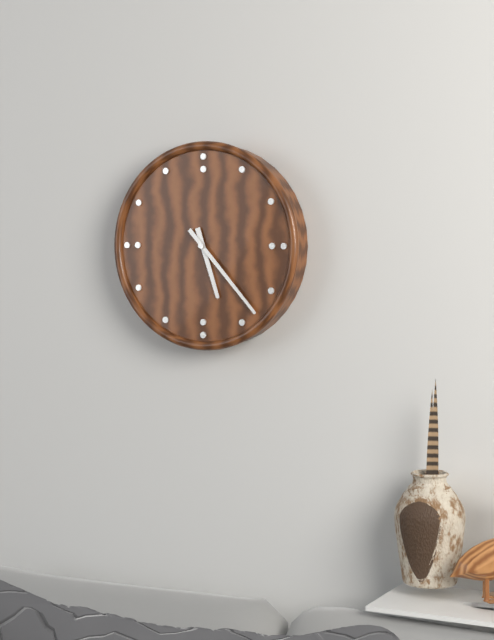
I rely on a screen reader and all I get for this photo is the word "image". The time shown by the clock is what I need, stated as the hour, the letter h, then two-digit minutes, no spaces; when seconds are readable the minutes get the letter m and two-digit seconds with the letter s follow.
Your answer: 5h23
